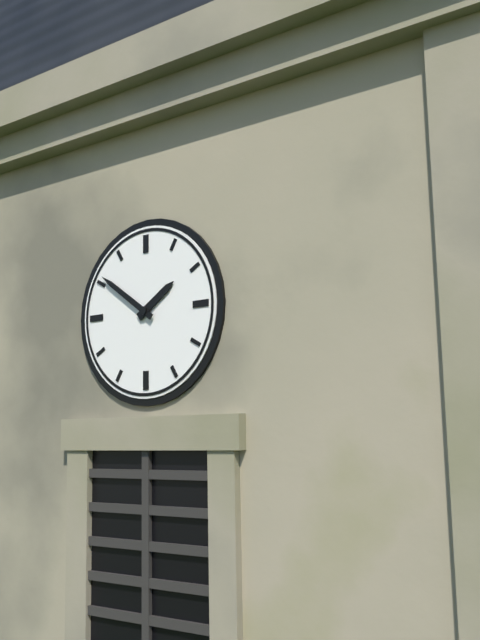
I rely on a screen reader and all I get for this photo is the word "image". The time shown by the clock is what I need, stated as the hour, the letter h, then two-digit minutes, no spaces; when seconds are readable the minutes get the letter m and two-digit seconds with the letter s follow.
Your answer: 1h51
